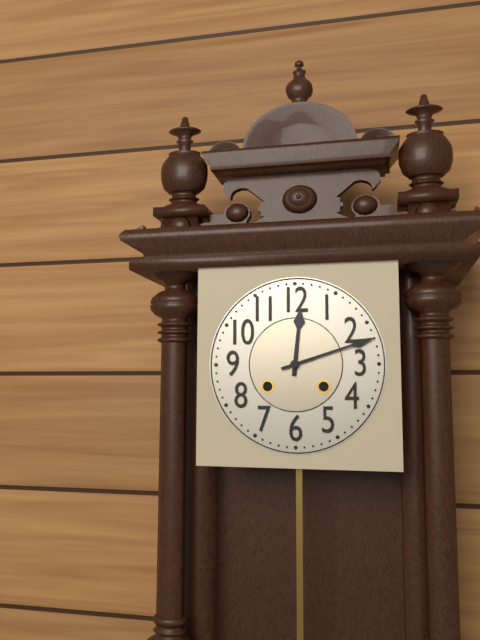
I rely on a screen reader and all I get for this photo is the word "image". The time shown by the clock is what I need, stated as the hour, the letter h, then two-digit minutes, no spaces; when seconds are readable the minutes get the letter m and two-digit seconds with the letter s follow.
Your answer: 12h12
